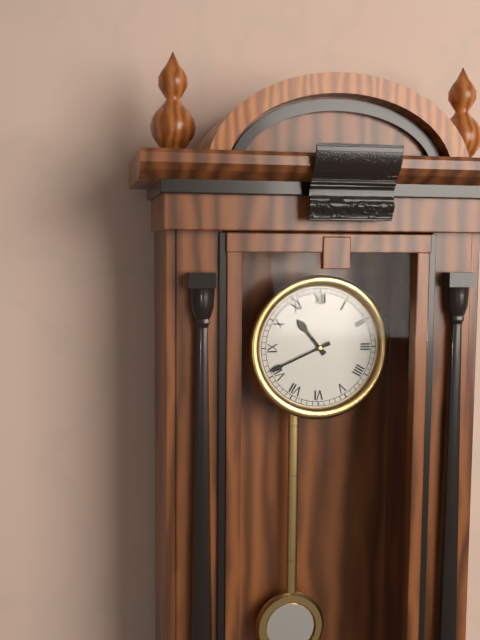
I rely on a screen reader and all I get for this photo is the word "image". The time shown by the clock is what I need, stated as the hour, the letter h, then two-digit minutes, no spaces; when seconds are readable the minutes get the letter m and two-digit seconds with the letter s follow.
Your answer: 10h41
